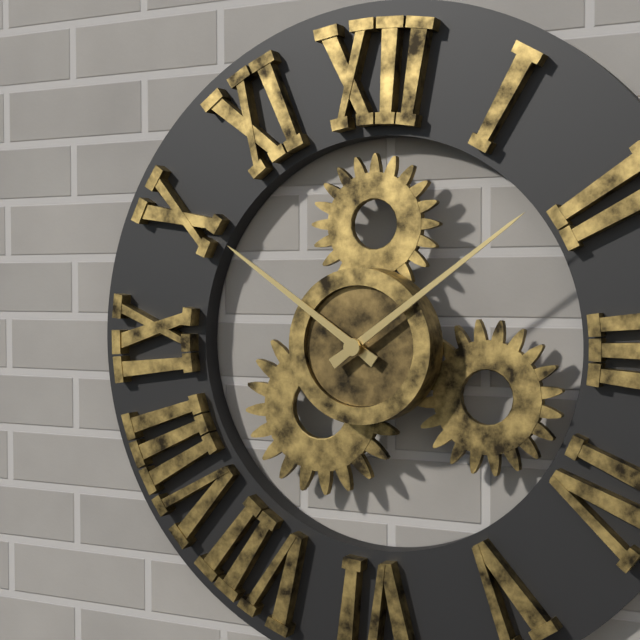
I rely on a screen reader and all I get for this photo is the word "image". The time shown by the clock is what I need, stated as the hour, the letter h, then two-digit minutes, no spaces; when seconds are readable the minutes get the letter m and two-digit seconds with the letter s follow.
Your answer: 10h09
